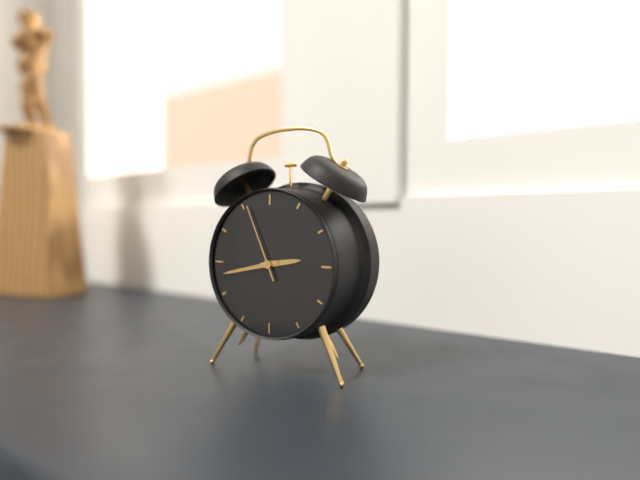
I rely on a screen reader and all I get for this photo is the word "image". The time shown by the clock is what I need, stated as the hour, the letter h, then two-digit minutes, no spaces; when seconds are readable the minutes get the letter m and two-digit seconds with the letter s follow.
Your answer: 2h43m56s
